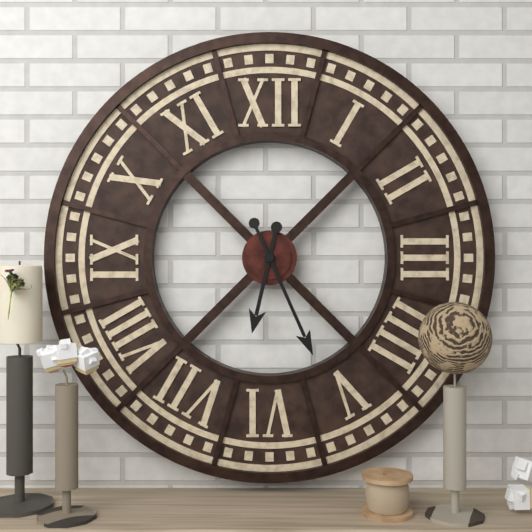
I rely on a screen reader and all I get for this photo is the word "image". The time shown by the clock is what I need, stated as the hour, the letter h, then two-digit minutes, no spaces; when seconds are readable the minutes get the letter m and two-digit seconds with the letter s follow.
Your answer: 6h26
